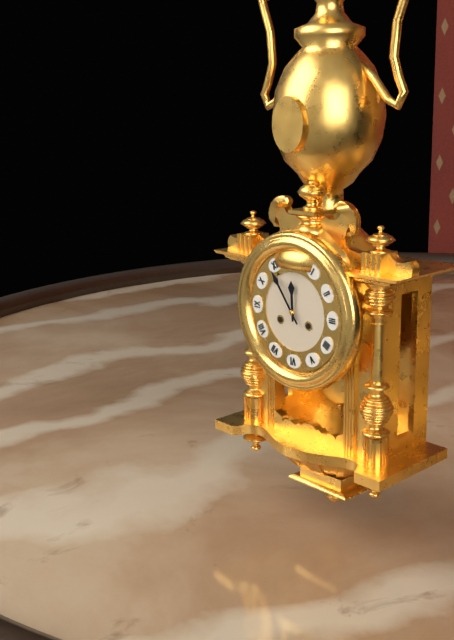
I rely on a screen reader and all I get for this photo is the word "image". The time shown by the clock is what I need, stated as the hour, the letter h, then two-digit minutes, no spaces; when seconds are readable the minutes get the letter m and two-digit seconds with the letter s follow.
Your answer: 11h54
